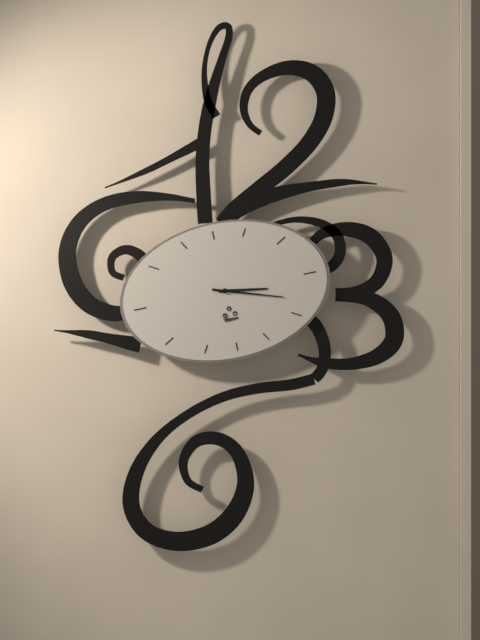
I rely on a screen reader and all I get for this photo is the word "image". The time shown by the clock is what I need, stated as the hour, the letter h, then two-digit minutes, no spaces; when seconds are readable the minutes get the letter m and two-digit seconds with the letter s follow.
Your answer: 3h18
